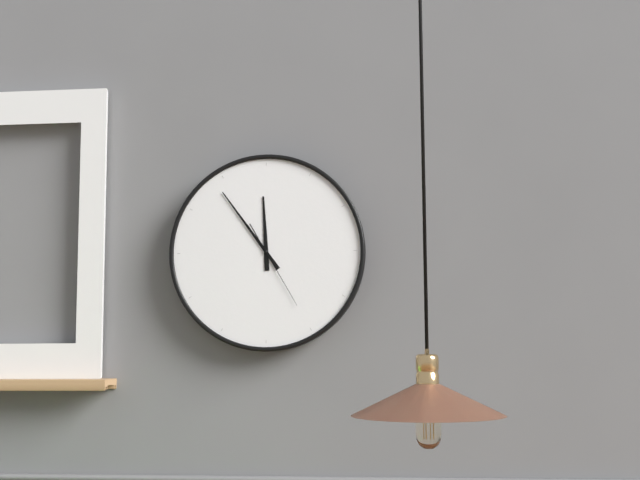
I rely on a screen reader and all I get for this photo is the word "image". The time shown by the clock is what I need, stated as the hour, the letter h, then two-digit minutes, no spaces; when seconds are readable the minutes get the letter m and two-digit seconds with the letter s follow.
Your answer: 11h54m25s
